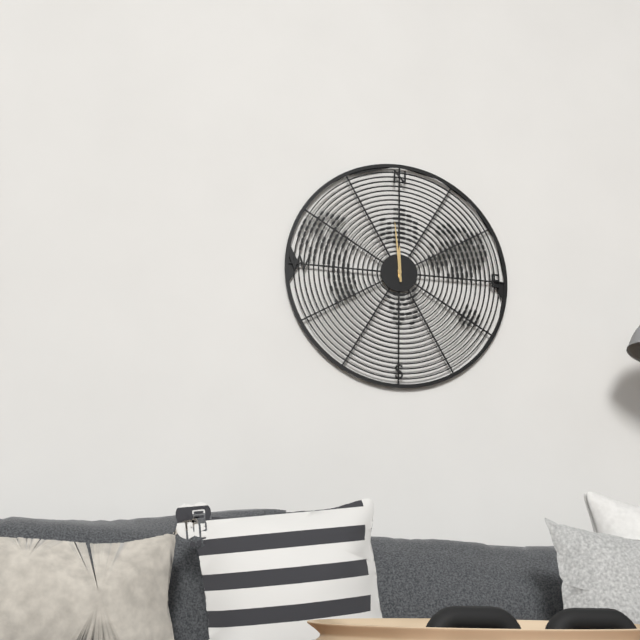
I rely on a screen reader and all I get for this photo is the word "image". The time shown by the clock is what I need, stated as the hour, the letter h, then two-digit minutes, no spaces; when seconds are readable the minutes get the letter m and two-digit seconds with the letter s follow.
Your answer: 11h59
